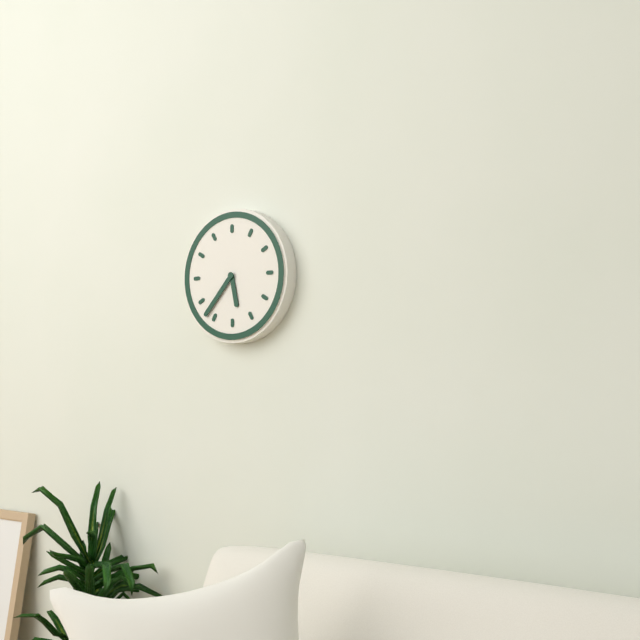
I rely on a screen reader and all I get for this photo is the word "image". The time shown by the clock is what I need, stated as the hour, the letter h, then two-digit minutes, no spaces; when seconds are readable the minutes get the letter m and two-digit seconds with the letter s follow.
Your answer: 5h37
